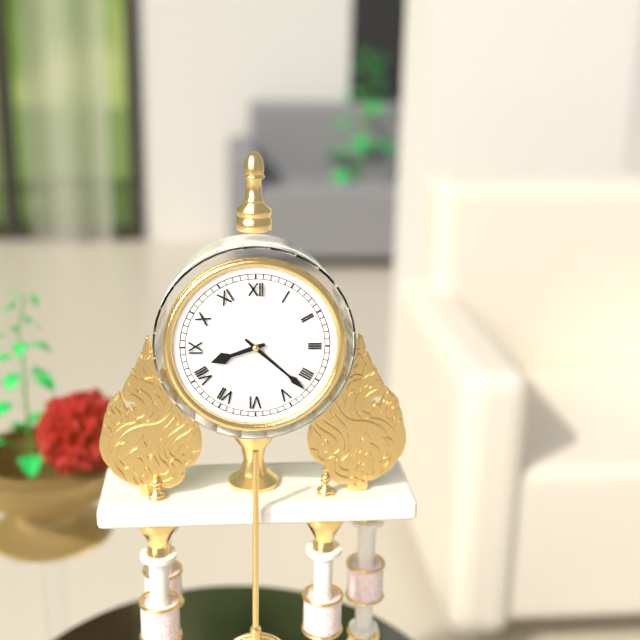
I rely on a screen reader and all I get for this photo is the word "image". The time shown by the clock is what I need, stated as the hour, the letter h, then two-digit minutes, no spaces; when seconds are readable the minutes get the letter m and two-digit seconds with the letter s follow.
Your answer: 8h22
